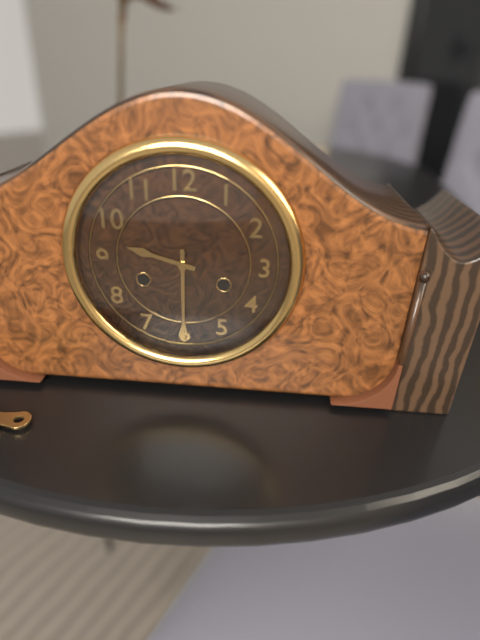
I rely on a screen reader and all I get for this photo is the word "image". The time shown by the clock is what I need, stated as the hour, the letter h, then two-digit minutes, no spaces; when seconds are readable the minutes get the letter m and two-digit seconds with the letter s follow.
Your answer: 9h30
